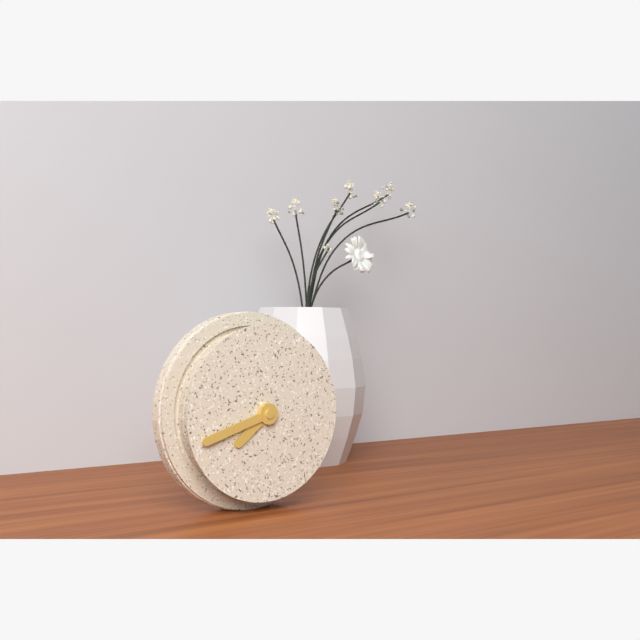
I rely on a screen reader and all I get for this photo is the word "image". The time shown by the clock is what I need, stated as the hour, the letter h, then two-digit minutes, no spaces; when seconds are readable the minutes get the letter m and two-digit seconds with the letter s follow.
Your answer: 7h42
